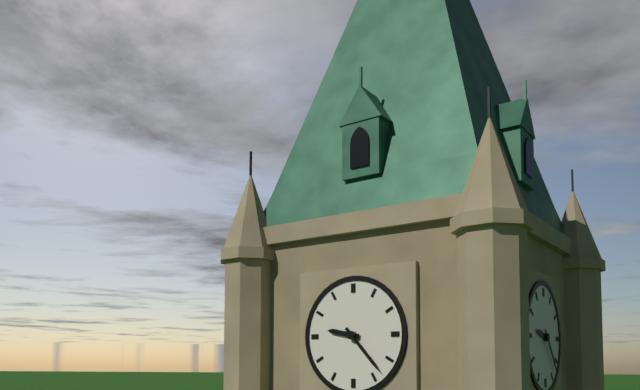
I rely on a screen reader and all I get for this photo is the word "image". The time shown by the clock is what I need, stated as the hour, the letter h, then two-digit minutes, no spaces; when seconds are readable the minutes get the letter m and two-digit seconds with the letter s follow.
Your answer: 9h23
